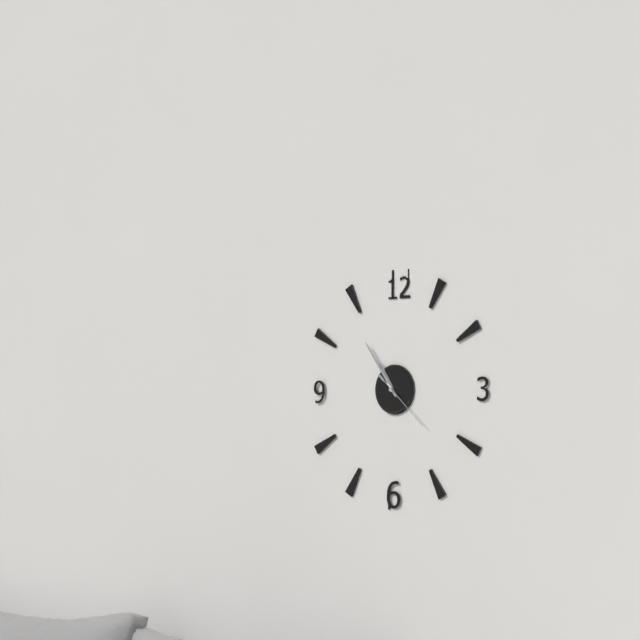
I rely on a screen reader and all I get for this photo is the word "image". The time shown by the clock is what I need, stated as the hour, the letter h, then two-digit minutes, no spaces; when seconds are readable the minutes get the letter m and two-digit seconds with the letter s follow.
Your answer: 10h54m22s
